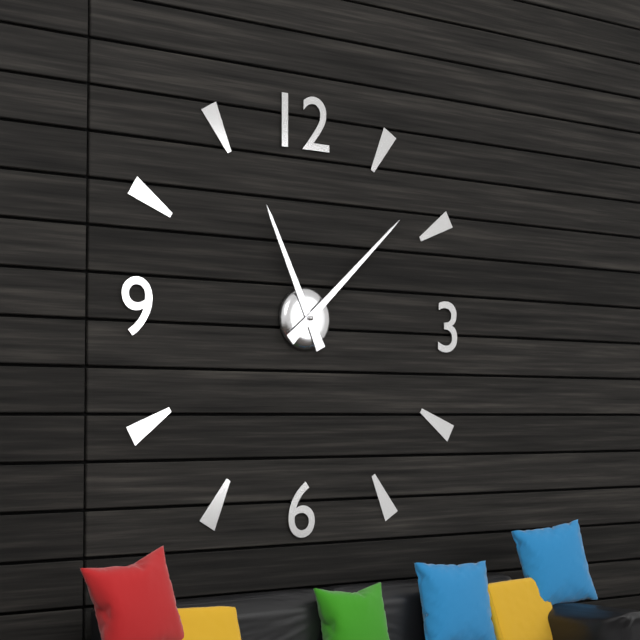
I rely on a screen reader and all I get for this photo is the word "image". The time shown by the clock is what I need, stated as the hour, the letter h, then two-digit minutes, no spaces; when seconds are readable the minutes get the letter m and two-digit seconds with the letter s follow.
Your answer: 11h08
